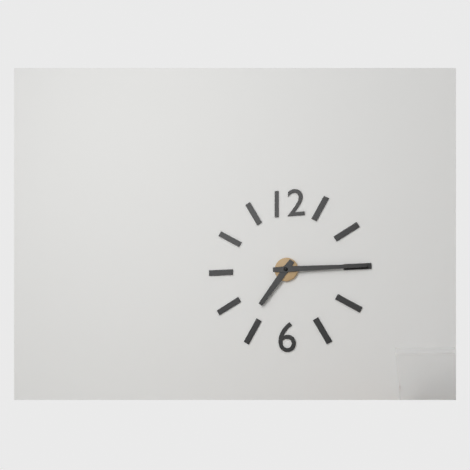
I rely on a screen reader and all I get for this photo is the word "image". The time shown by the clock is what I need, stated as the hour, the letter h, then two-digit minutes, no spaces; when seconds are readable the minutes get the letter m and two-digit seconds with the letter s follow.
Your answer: 7h15
